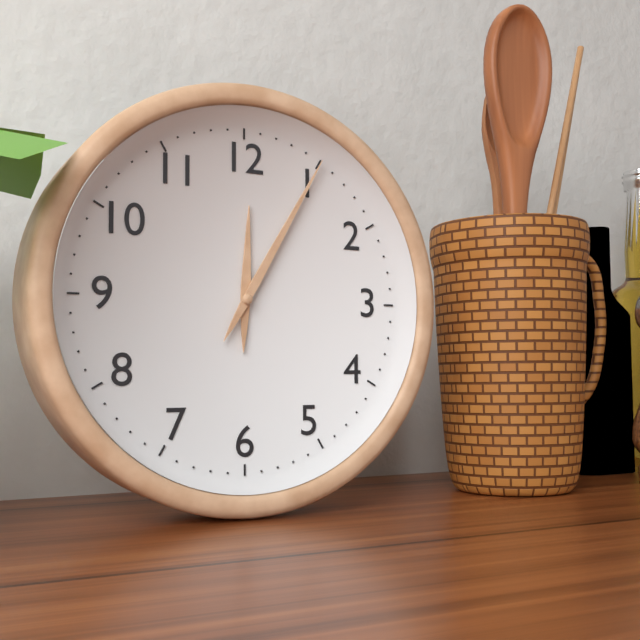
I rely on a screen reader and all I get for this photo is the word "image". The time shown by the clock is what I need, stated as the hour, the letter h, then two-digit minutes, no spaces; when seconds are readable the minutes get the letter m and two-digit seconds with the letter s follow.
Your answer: 12h05
